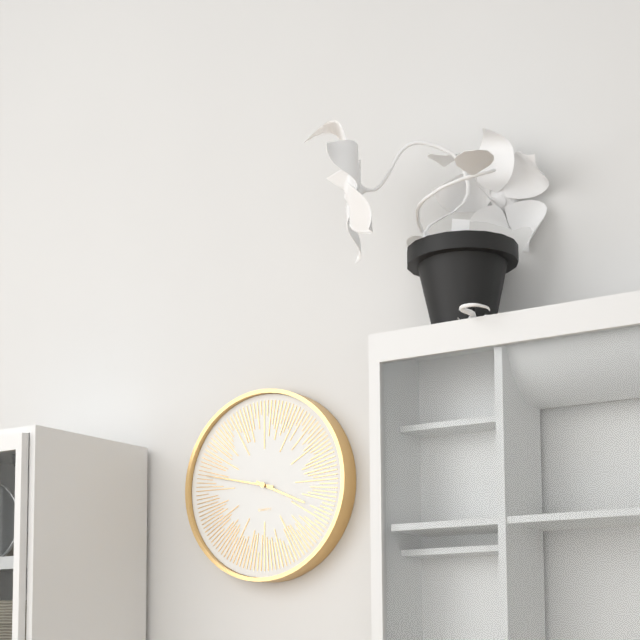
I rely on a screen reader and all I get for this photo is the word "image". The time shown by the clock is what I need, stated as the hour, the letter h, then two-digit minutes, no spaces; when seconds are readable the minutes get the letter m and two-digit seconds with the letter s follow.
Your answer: 3h47
